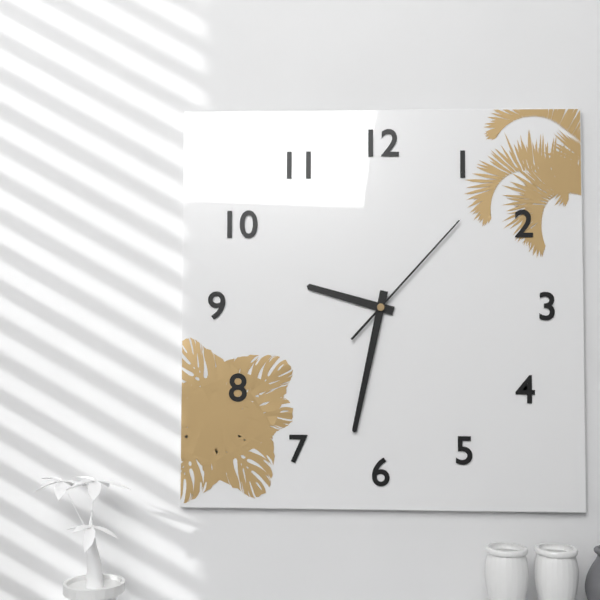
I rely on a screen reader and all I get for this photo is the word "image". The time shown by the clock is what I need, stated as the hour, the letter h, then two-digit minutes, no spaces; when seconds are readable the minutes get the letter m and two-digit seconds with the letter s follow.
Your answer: 9h32m07s
